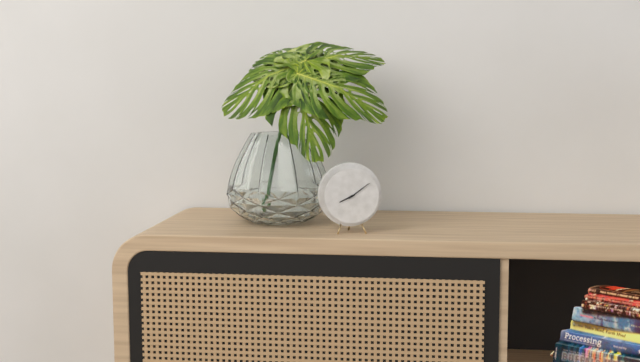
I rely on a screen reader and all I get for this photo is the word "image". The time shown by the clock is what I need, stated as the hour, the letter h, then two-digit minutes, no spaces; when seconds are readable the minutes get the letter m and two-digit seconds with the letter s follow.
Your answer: 8h09
